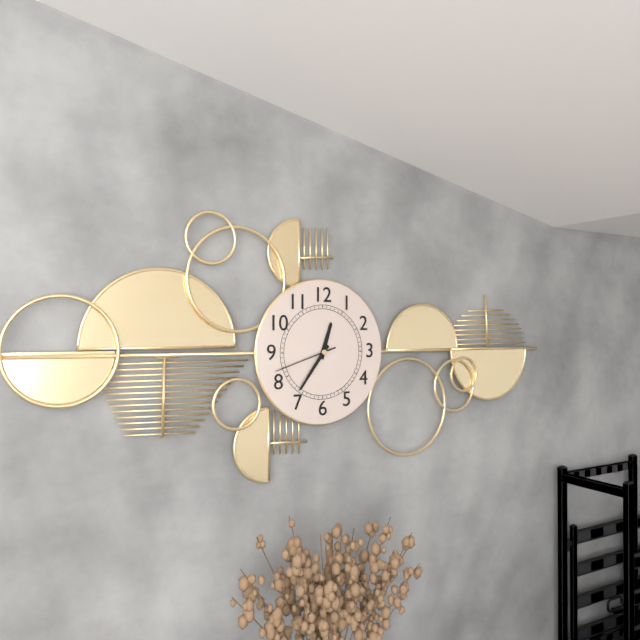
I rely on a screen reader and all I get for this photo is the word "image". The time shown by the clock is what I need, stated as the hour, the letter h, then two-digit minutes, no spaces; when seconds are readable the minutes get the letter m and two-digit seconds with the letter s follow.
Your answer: 12h36m42s
